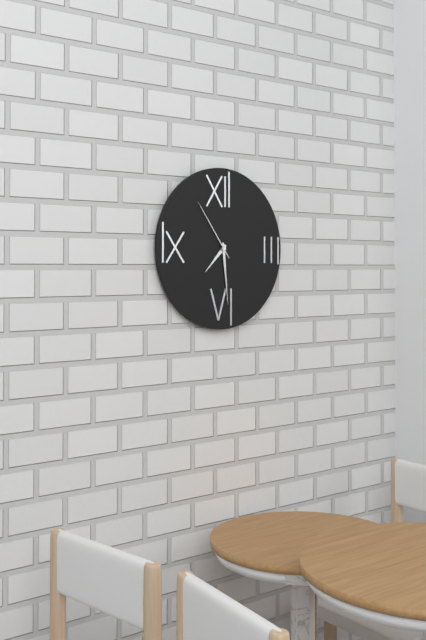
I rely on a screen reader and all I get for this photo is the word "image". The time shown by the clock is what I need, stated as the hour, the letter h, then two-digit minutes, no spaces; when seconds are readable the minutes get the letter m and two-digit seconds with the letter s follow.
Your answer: 7h29m54s
